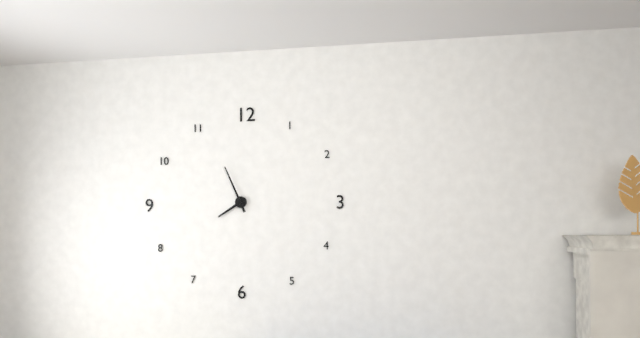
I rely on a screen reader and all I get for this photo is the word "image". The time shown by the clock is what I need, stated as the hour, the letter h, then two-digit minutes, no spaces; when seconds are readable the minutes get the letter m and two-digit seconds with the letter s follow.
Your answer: 7h56
